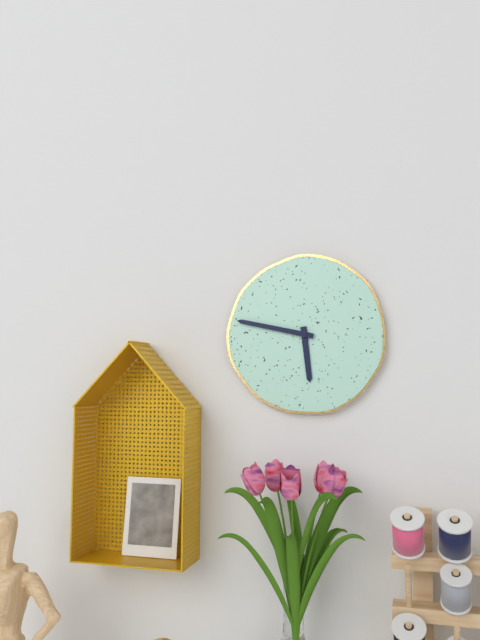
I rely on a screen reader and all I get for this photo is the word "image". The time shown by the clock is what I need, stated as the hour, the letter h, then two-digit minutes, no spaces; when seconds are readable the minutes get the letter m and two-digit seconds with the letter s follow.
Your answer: 5h47
